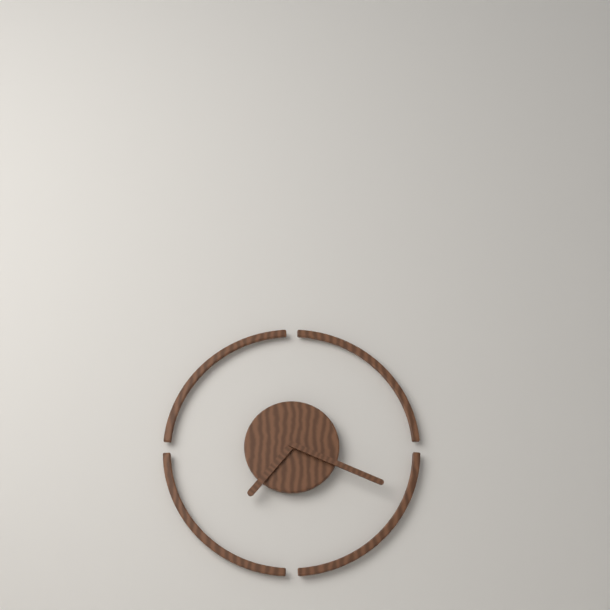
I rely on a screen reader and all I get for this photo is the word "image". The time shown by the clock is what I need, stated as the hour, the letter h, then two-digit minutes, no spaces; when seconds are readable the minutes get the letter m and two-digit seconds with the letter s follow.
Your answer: 7h19
